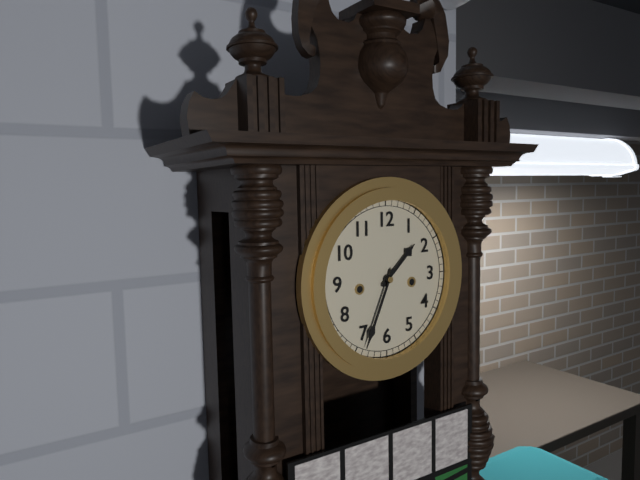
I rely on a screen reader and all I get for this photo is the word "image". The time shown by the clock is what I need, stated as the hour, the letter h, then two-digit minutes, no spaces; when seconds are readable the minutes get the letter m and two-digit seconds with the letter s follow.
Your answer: 1h34
